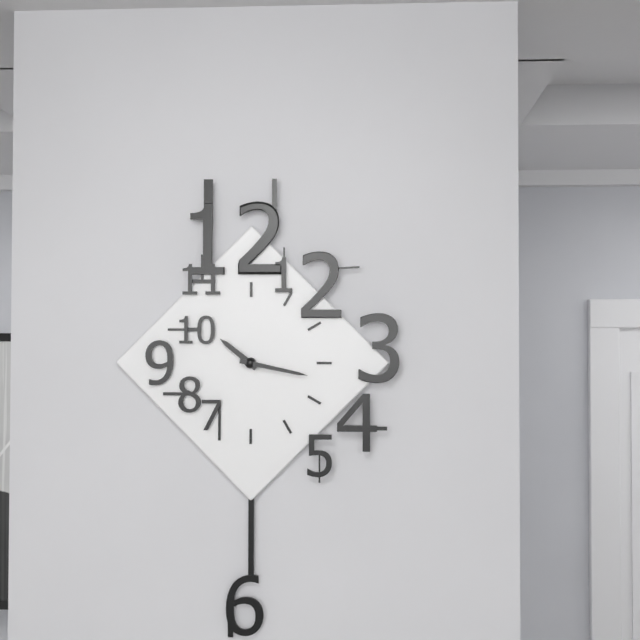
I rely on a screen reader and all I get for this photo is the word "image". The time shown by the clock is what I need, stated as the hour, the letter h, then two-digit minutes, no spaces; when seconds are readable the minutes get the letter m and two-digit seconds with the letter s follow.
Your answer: 10h17
